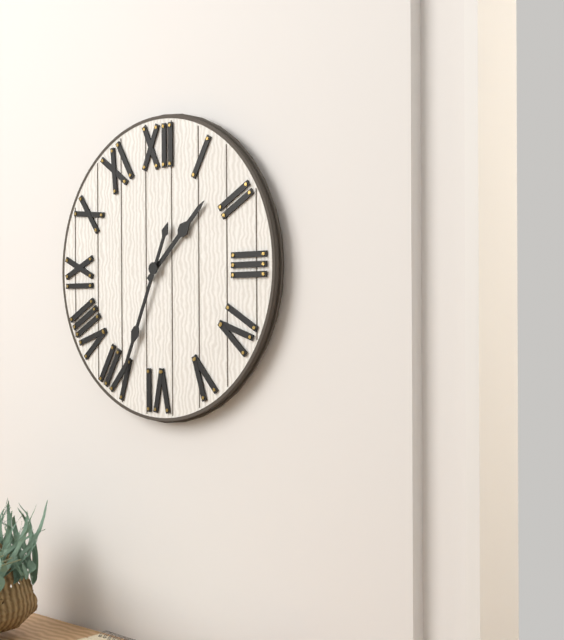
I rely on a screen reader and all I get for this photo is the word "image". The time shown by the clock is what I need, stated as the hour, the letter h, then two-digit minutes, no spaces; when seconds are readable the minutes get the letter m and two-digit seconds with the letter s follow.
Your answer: 1h34
